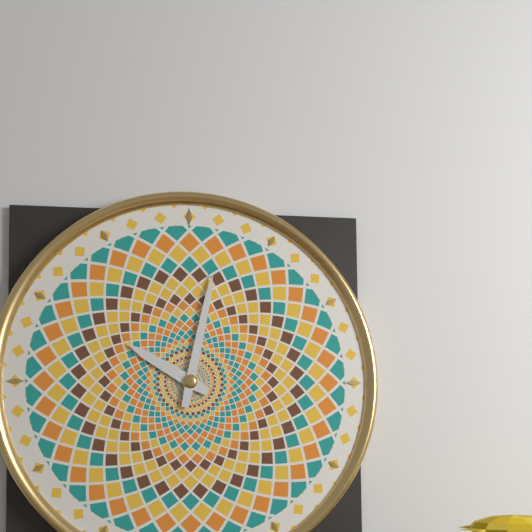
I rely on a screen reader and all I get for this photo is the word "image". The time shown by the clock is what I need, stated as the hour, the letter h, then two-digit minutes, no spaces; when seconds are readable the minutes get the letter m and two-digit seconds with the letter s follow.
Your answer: 10h02
